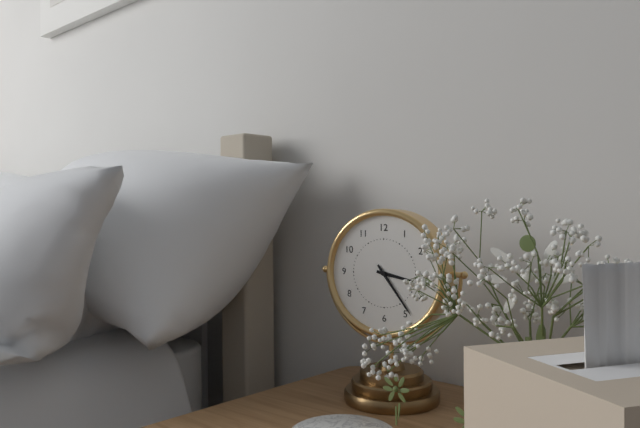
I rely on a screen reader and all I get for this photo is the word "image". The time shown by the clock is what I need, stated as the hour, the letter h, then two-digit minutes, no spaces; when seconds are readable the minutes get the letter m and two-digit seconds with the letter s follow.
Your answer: 3h24
